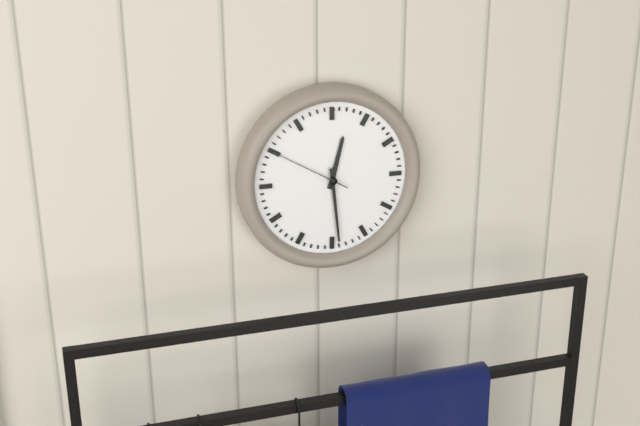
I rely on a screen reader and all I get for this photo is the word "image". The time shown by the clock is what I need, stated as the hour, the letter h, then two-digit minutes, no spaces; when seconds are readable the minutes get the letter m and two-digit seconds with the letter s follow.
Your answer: 12h29m50s
